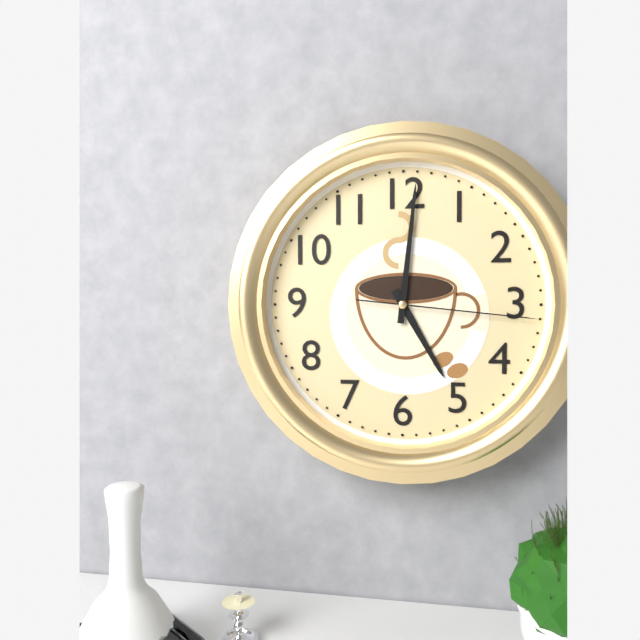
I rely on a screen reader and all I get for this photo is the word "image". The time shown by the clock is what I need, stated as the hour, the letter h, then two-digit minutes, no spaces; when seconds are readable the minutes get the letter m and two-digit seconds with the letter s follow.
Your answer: 5h01m16s
